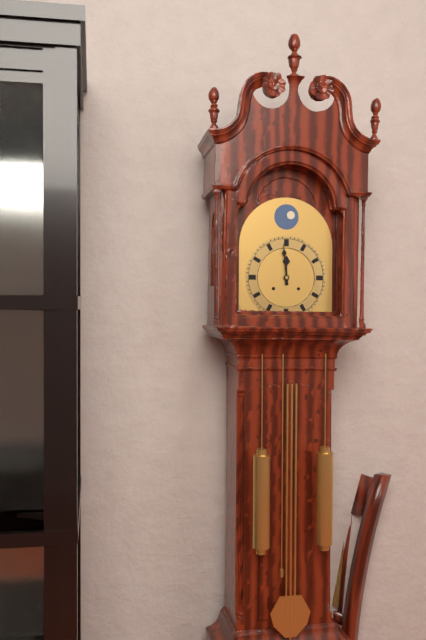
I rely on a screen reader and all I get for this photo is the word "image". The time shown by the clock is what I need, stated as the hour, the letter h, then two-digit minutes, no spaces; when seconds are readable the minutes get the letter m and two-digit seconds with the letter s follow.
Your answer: 11h59
